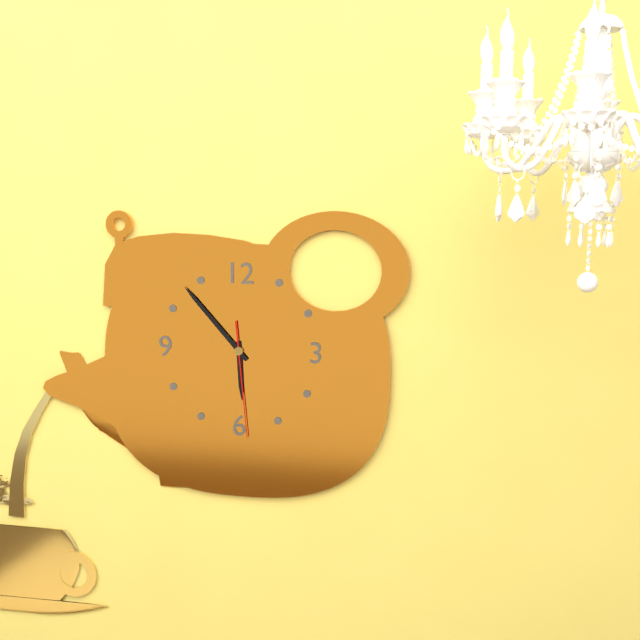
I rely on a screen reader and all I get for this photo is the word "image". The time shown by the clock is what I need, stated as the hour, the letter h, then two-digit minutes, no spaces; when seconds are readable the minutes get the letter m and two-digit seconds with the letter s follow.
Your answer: 5h53m29s
